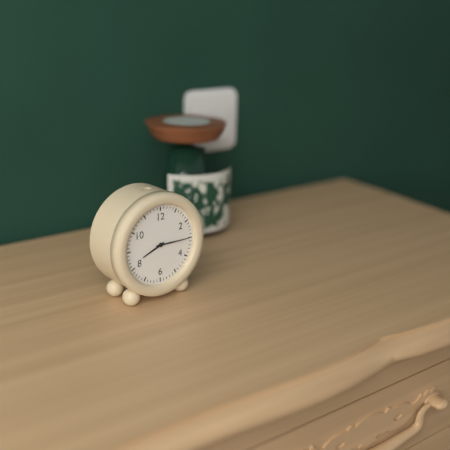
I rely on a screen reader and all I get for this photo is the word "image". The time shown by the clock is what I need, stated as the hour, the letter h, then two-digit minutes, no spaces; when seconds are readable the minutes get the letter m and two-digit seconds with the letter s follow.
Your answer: 8h15
